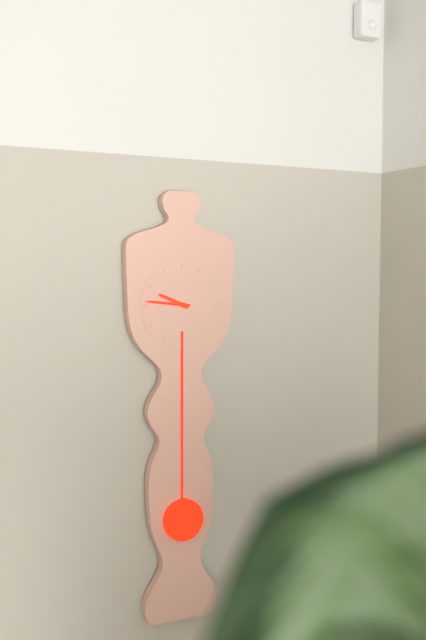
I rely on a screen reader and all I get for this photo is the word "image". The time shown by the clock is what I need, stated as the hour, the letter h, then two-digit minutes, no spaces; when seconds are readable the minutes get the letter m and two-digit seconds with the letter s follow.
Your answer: 9h46
